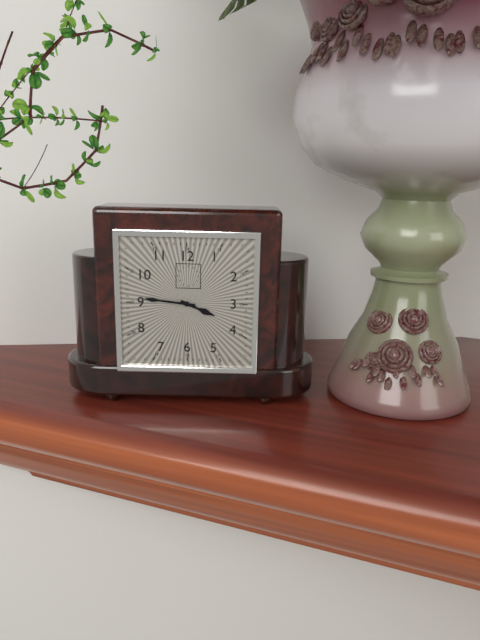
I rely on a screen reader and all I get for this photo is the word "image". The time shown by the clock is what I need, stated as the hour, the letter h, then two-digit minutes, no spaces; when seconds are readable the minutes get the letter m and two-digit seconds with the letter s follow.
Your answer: 3h46
